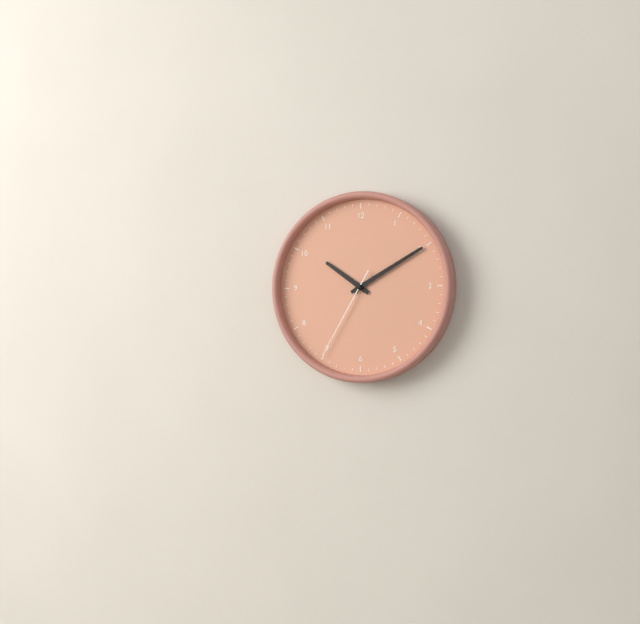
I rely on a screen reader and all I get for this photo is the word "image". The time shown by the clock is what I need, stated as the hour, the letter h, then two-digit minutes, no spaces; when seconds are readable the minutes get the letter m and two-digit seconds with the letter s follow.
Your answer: 10h10m35s
